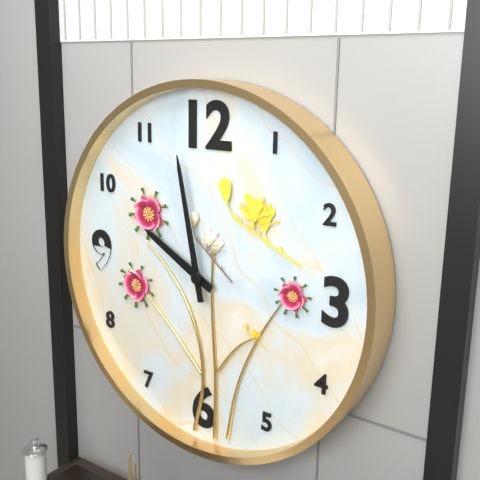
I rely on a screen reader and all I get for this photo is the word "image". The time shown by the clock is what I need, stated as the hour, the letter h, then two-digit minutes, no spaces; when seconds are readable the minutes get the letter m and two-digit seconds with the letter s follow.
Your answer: 9h58
